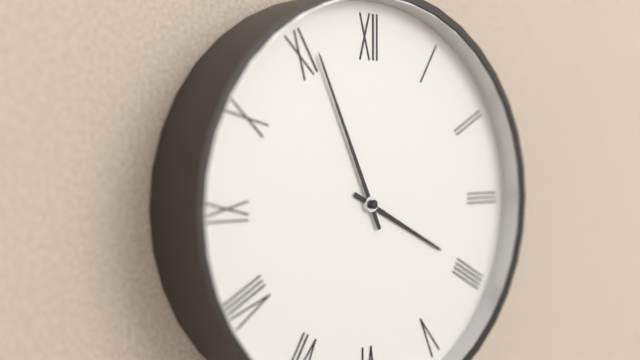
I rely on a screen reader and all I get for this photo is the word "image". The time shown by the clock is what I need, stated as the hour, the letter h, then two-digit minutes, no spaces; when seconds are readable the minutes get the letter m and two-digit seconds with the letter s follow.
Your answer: 3h56
